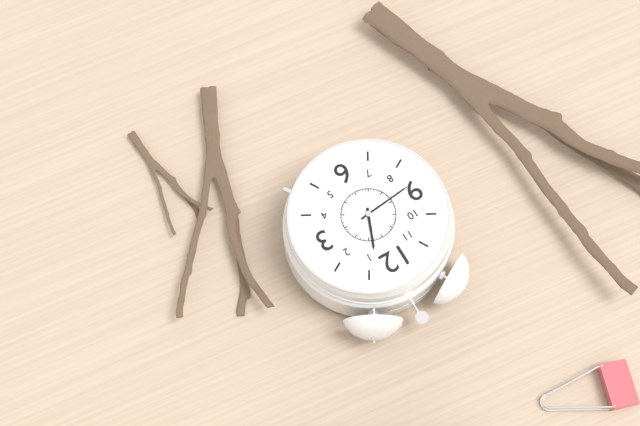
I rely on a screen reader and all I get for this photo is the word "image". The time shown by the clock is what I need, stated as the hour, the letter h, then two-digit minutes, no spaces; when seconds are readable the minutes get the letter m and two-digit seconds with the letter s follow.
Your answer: 12h44
